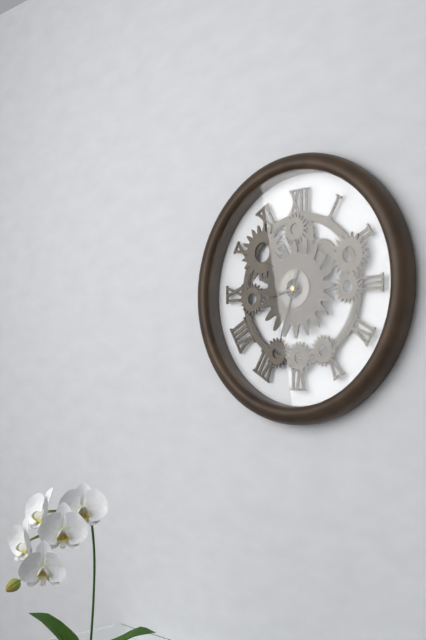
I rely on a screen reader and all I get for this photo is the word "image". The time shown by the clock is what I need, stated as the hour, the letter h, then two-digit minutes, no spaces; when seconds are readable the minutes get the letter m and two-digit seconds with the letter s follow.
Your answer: 8h33
